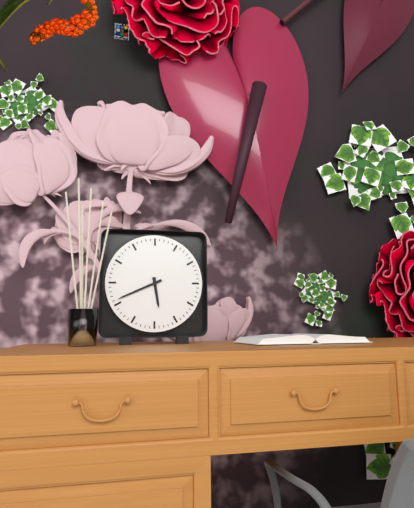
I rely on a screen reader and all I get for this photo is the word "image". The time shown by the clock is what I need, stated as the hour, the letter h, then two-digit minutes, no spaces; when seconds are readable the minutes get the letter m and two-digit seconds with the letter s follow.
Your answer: 5h41
